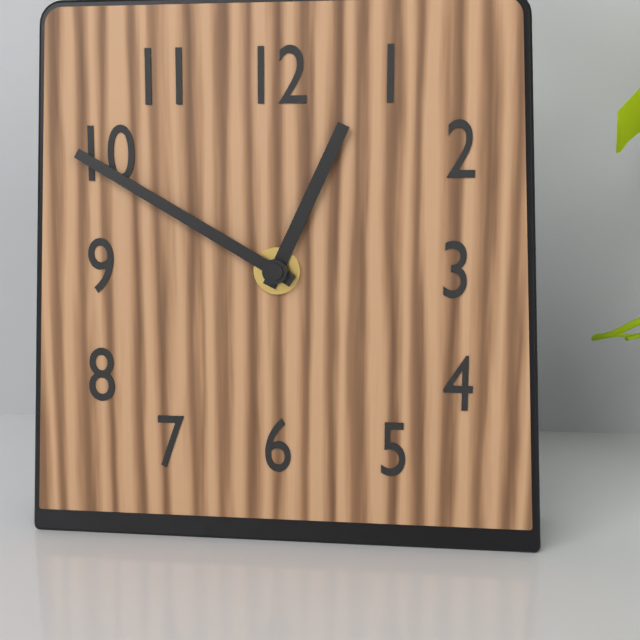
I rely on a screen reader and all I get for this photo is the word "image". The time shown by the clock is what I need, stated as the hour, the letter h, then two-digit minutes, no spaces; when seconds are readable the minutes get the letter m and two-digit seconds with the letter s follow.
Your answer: 12h50
